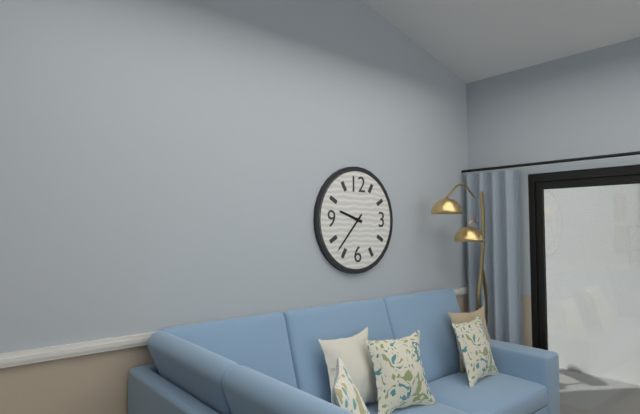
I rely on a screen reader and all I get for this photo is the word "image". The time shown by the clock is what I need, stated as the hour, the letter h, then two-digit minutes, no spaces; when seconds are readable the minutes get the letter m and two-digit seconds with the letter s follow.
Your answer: 9h37
